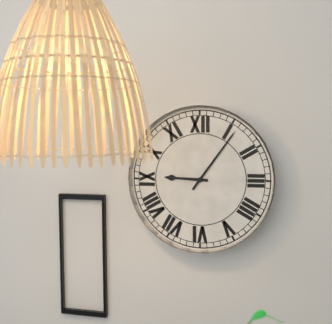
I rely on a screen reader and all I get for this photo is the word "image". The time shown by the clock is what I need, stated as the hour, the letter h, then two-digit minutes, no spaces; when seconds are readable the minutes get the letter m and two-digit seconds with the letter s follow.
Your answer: 9h06
